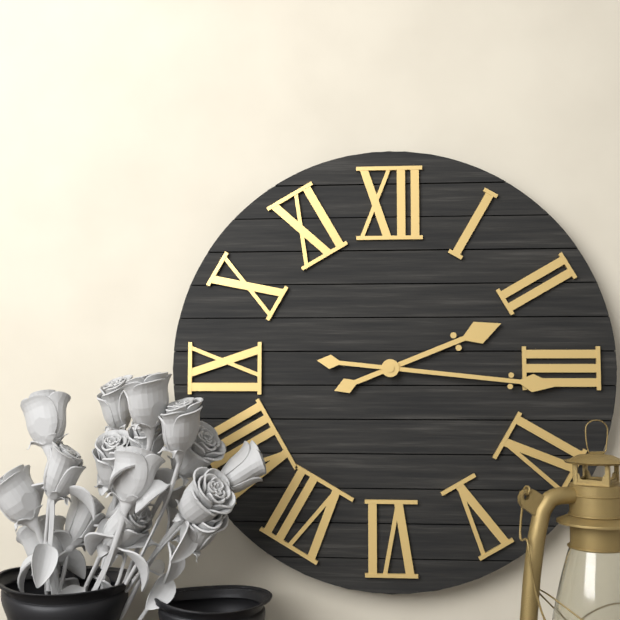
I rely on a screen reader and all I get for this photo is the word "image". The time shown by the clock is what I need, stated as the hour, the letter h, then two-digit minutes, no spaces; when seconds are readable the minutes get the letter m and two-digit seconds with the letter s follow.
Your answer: 2h16
